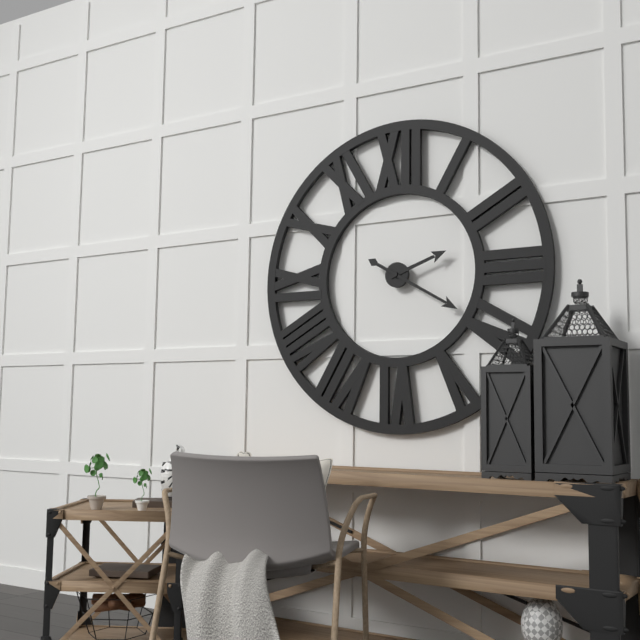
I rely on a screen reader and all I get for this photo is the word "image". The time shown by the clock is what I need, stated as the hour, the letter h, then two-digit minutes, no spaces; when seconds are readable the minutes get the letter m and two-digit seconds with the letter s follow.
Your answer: 2h20
